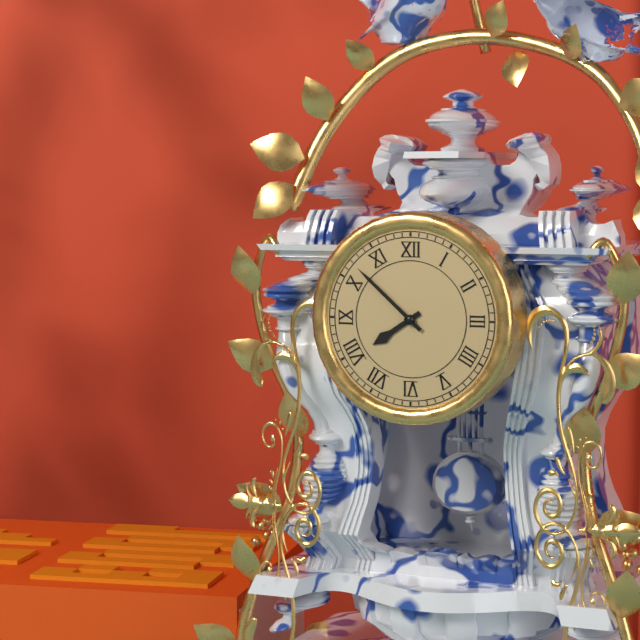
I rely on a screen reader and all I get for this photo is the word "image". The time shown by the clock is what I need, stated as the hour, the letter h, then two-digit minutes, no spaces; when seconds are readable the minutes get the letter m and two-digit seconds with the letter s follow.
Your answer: 7h52
